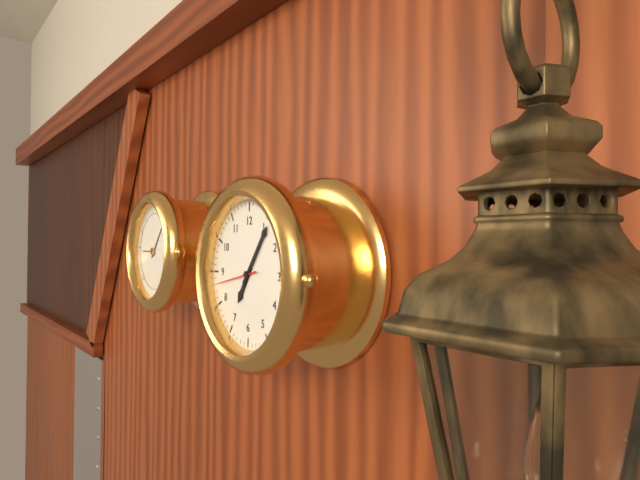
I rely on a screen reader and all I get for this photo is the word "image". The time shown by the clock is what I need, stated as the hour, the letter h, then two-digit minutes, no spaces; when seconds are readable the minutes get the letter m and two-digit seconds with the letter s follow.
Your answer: 7h06
